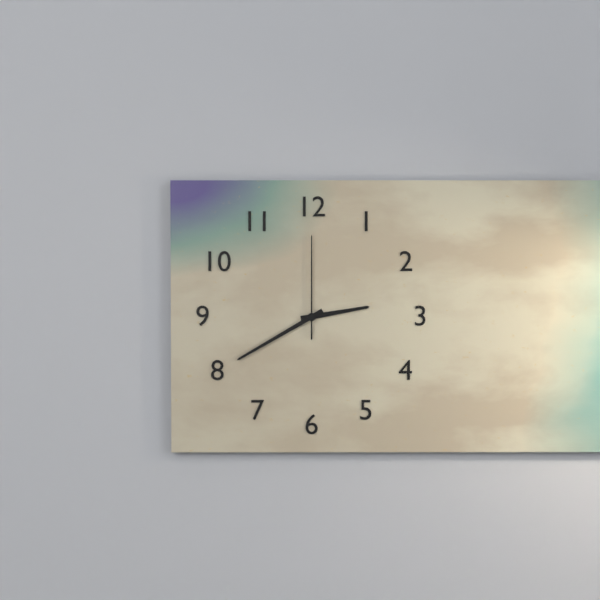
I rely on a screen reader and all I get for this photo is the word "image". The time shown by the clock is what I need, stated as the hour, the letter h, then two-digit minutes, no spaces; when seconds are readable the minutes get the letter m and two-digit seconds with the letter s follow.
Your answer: 2h40m00s
